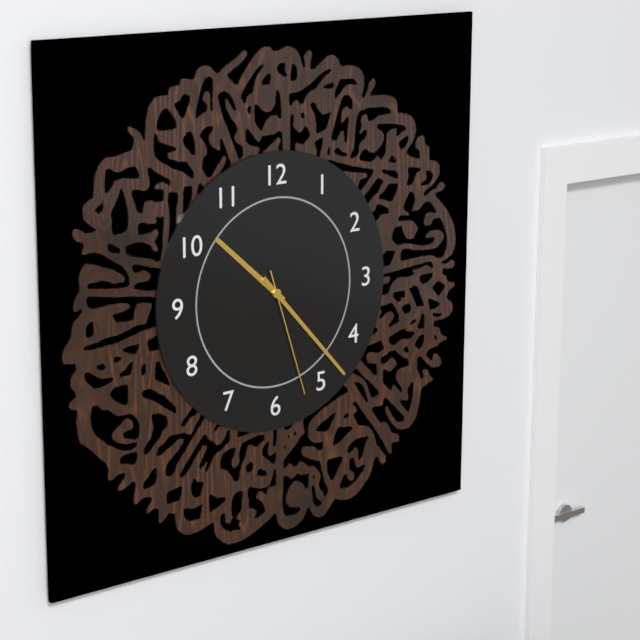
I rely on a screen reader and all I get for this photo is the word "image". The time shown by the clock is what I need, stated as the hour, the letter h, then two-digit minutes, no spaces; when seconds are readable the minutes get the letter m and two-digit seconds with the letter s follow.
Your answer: 10h23m27s
